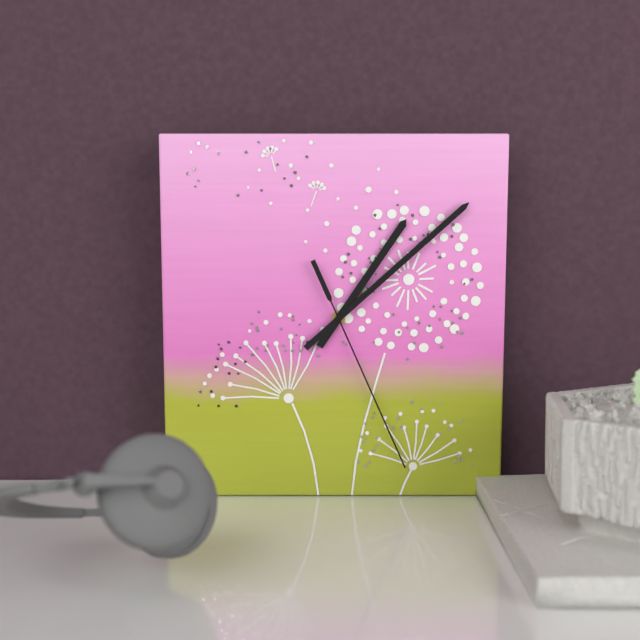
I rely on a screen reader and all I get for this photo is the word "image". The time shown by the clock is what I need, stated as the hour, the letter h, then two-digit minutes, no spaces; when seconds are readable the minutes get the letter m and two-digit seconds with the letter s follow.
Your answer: 1h08m26s
